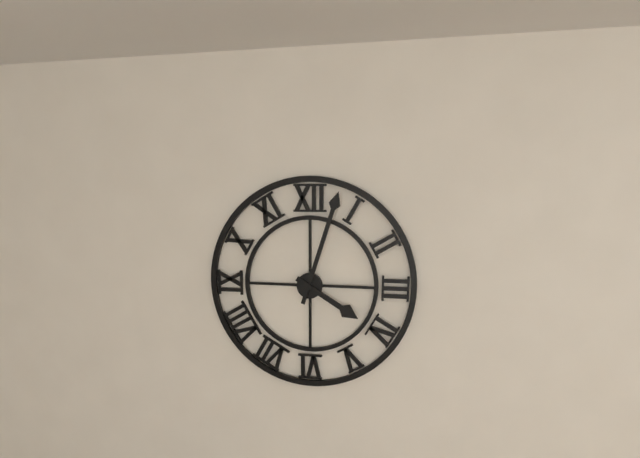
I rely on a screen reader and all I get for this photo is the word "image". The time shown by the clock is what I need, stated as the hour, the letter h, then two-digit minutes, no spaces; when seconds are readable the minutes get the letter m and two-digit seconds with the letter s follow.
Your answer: 4h03
